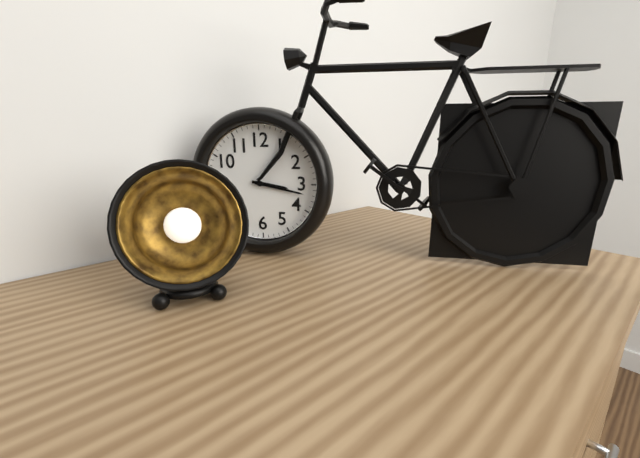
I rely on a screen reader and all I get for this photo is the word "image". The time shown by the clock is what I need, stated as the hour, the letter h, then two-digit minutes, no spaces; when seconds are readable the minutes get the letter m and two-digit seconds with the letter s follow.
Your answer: 3h17
